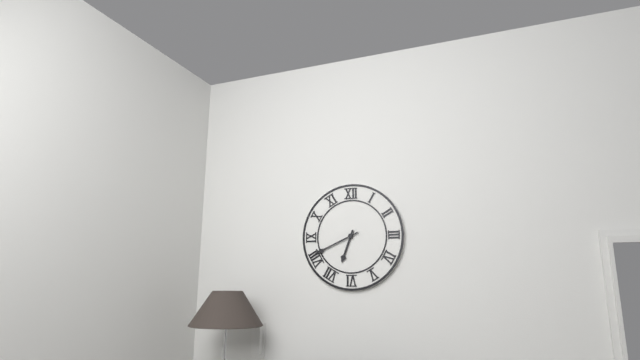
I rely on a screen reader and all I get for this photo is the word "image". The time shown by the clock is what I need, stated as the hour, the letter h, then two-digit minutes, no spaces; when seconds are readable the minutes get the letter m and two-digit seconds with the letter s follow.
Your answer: 6h41
